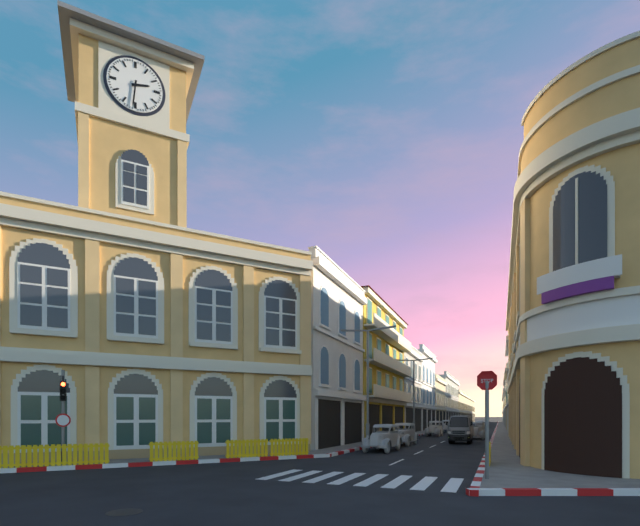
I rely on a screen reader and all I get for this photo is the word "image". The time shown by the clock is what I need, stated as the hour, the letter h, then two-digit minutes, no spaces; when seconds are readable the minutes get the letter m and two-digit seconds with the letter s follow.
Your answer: 2h31
